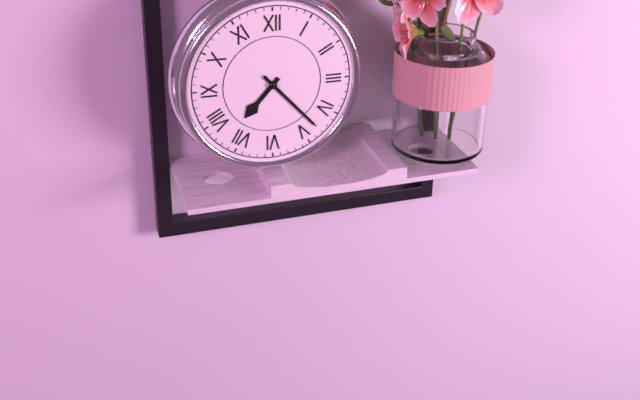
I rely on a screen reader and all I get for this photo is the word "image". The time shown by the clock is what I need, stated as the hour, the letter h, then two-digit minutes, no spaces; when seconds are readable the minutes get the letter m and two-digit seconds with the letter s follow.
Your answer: 7h23
